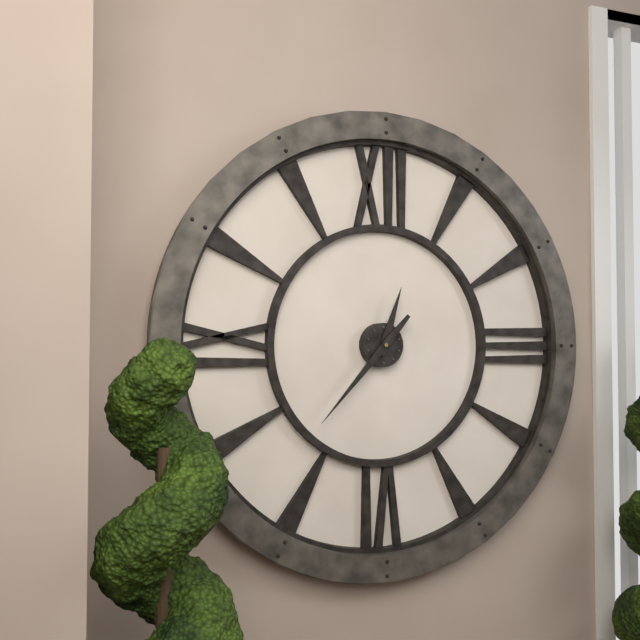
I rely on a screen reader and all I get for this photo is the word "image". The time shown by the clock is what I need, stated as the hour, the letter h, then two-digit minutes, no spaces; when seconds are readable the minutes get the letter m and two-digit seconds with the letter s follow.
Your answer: 12h37
